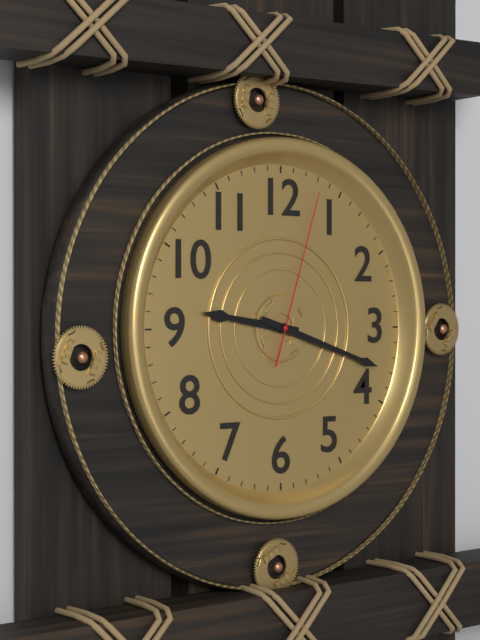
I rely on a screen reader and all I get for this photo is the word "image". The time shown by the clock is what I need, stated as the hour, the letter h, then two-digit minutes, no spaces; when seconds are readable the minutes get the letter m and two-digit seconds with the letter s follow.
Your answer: 9h18m03s
